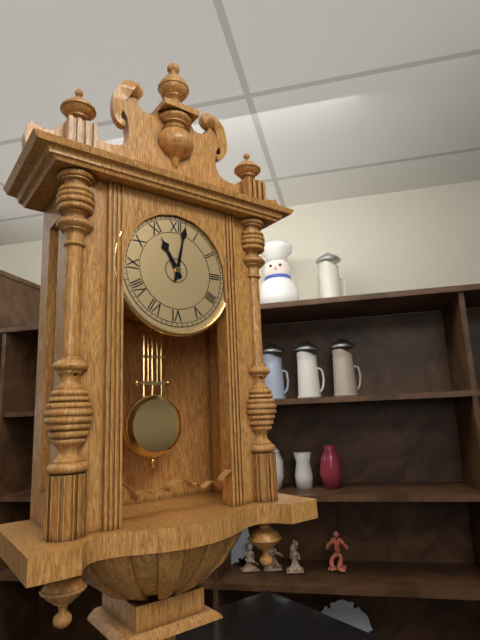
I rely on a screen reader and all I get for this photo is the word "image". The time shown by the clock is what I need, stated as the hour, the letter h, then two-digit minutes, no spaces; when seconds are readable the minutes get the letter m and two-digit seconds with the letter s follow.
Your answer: 11h02
